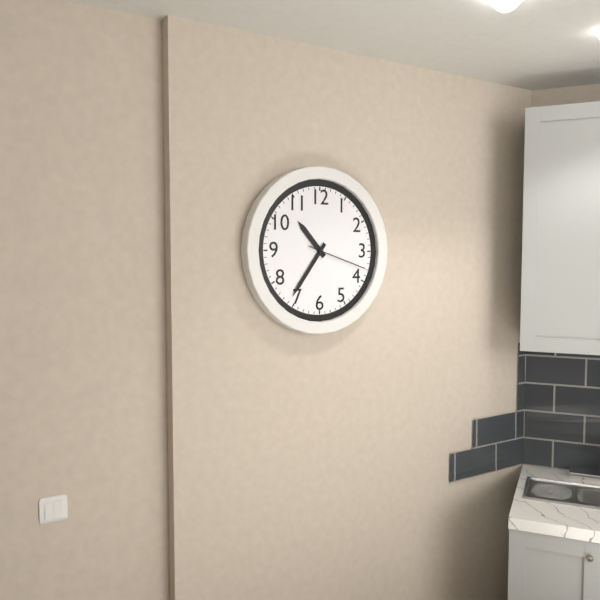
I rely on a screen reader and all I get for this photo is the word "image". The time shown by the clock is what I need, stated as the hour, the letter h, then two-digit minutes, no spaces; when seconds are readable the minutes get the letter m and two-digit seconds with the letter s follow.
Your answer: 10h36m18s
